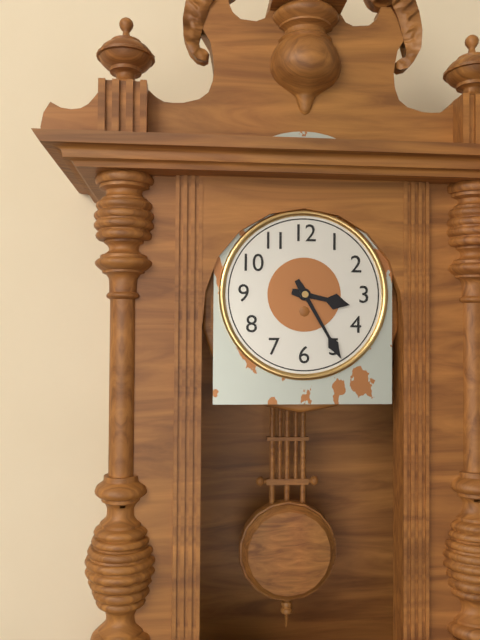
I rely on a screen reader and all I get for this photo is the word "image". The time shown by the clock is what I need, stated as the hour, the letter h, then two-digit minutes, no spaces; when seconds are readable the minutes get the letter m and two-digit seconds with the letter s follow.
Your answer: 3h25
